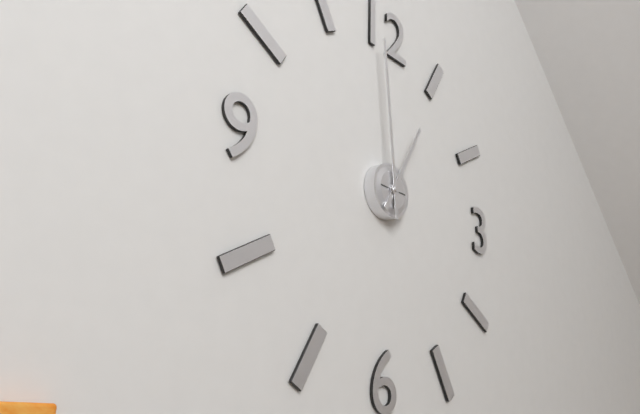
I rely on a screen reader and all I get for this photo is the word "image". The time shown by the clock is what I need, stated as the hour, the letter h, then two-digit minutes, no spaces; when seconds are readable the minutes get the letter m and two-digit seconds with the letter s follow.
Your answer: 12h59
